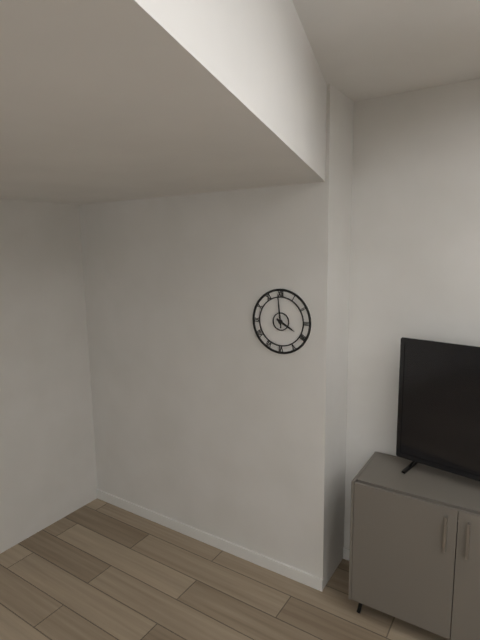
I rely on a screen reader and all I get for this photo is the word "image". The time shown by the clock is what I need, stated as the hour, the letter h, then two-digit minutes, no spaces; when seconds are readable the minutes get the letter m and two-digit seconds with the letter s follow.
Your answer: 3h59
